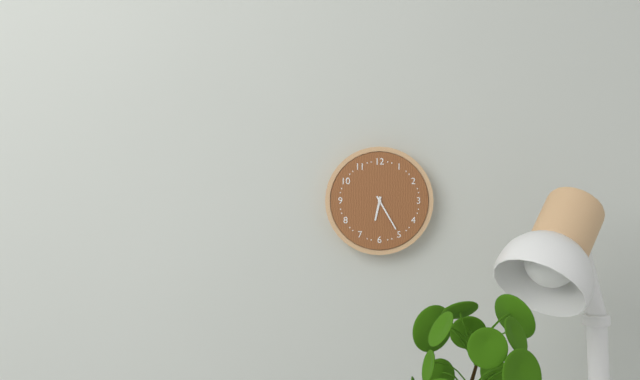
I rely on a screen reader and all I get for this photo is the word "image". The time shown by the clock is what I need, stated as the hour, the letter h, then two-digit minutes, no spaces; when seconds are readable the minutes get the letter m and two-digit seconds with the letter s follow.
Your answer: 6h25
